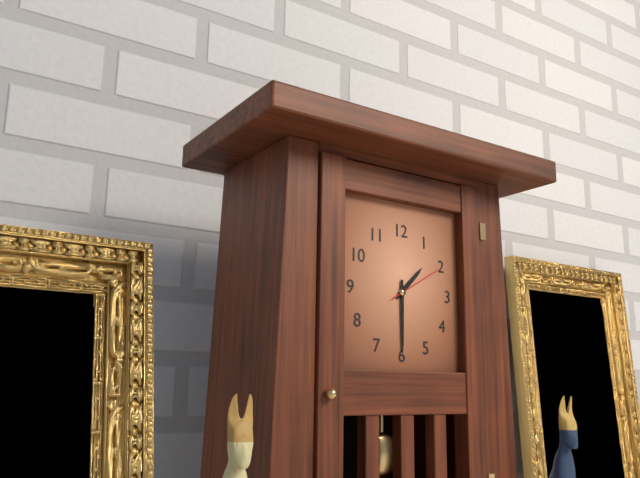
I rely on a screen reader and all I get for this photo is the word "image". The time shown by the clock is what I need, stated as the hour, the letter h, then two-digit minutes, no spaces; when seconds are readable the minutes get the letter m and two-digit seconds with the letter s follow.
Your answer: 1h30m10s
